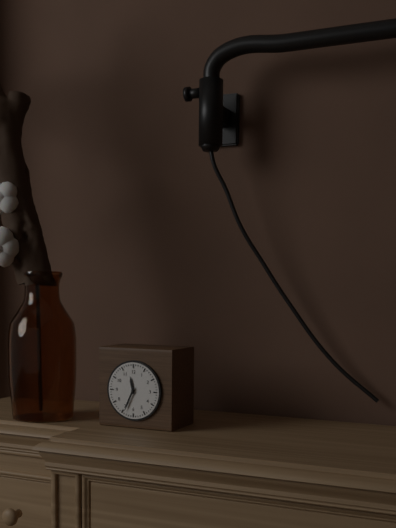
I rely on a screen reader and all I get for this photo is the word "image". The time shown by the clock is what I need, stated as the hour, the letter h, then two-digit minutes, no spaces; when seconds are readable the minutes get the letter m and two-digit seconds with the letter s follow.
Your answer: 11h34
